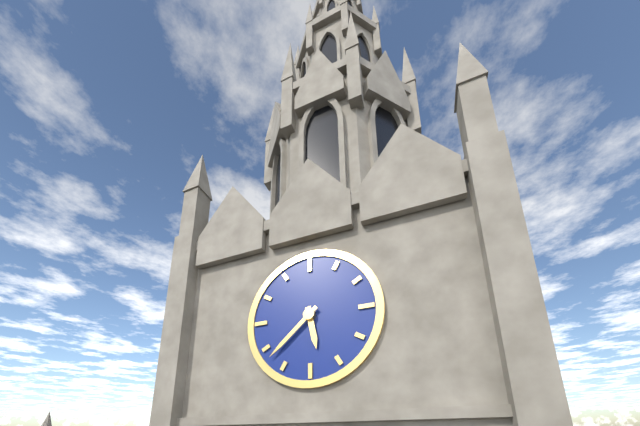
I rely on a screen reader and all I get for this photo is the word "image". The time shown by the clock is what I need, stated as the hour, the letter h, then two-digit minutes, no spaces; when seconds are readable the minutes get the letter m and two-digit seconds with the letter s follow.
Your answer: 5h38
